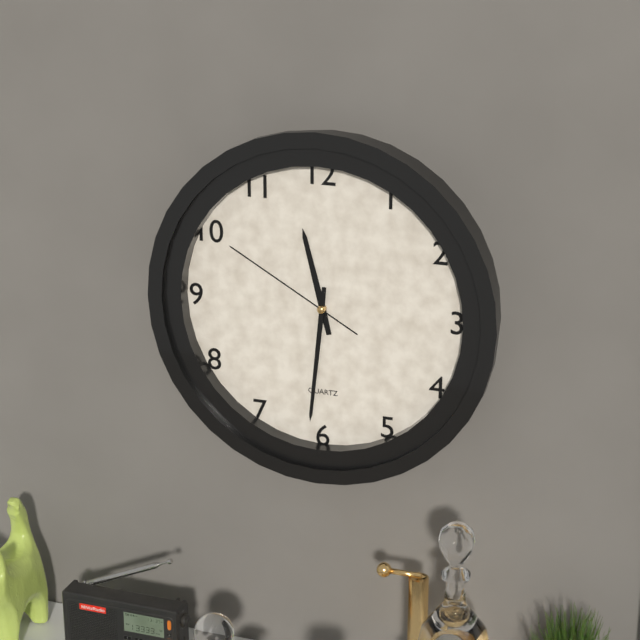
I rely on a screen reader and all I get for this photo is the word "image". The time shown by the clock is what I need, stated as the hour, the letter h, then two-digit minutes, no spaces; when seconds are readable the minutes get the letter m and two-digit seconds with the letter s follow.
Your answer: 11h31m50s
